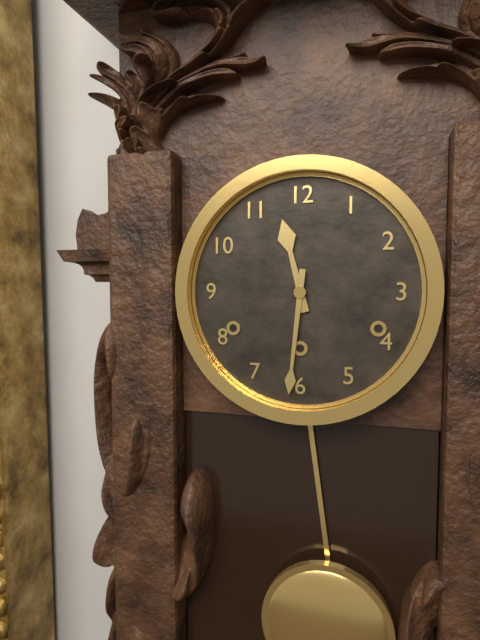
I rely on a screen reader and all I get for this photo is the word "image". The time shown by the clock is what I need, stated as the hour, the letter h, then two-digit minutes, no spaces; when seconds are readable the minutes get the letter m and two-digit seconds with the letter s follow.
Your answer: 11h31
